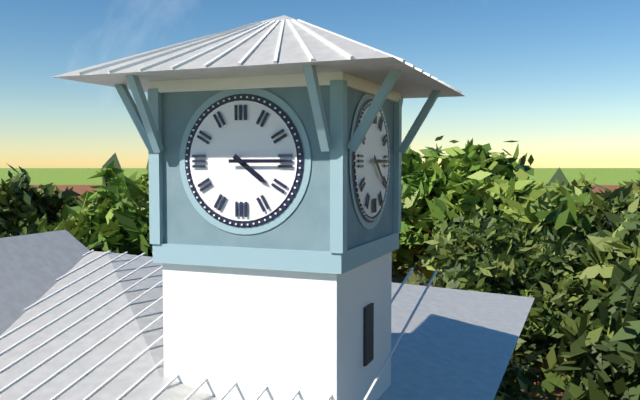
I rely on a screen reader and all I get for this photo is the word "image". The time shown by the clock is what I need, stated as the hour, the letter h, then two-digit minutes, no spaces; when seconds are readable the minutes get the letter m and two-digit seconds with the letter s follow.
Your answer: 4h15
